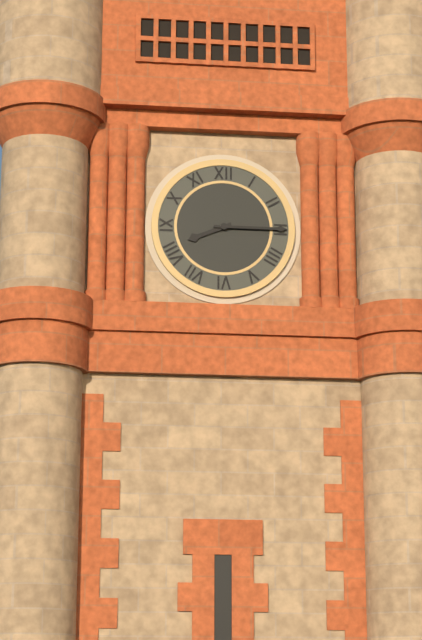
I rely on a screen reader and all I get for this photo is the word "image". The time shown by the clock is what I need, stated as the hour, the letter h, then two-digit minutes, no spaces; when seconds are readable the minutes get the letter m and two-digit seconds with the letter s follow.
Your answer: 8h15
